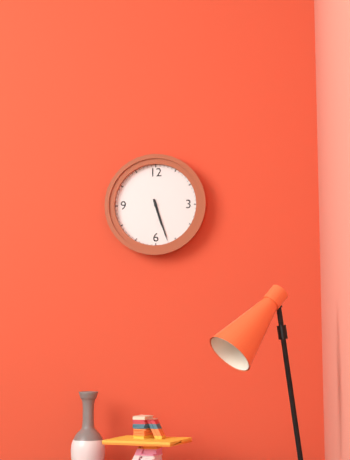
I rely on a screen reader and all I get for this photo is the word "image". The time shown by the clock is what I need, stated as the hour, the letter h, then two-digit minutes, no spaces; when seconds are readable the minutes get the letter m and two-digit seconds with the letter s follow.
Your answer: 5h27
